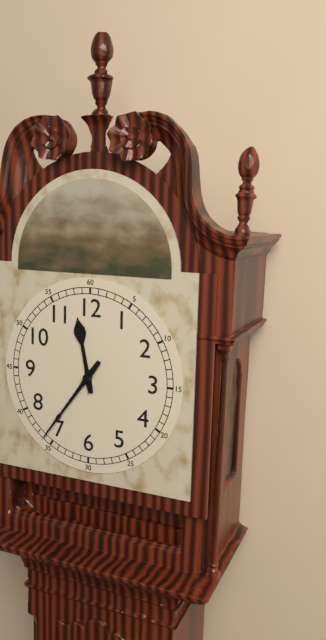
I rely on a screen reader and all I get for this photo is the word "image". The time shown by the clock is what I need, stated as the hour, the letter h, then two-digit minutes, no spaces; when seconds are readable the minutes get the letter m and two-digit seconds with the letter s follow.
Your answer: 11h36
